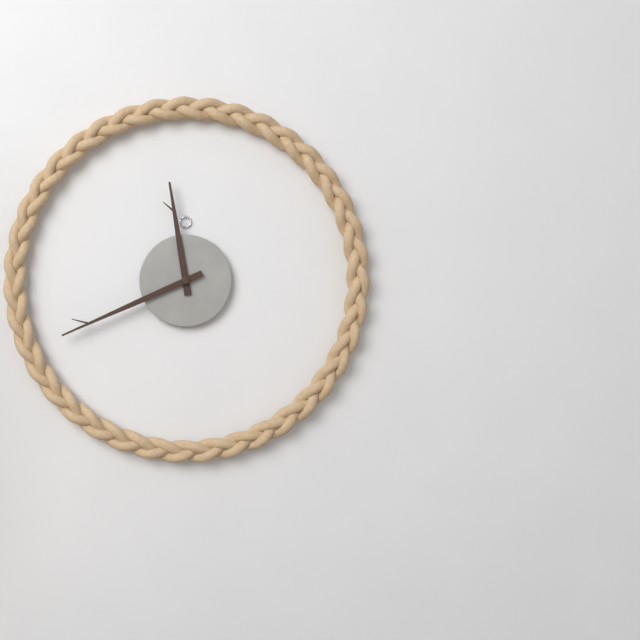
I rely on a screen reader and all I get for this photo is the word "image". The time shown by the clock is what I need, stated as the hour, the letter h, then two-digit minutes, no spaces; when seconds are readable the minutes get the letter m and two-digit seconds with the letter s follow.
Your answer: 11h41
